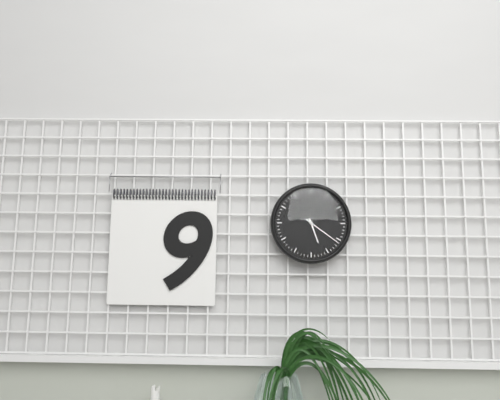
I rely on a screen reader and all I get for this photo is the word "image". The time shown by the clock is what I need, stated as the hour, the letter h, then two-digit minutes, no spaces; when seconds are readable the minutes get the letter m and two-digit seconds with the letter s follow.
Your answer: 5h21
